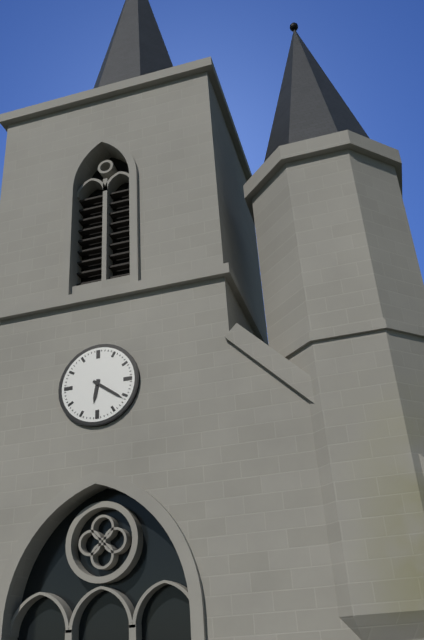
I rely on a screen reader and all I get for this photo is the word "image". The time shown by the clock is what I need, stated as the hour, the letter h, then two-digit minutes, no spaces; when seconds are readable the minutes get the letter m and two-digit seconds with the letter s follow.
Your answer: 6h21
